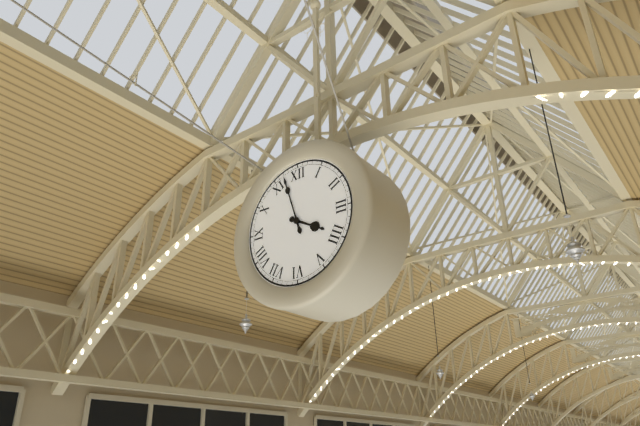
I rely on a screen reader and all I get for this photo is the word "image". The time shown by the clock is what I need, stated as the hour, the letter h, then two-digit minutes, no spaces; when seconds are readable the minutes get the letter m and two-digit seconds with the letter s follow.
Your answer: 3h57
